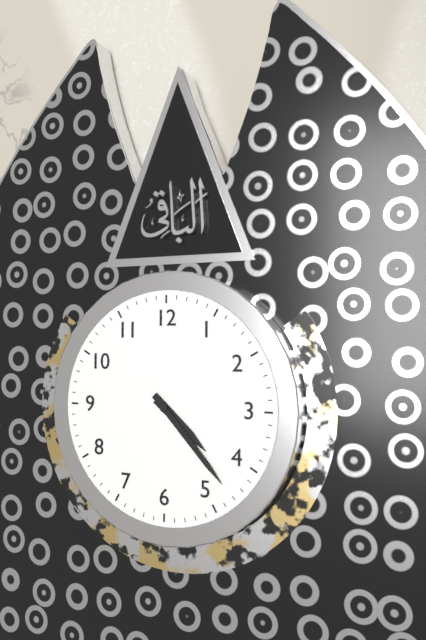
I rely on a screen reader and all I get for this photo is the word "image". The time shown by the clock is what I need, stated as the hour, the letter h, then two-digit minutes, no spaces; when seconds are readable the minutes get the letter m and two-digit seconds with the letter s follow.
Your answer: 4h23
